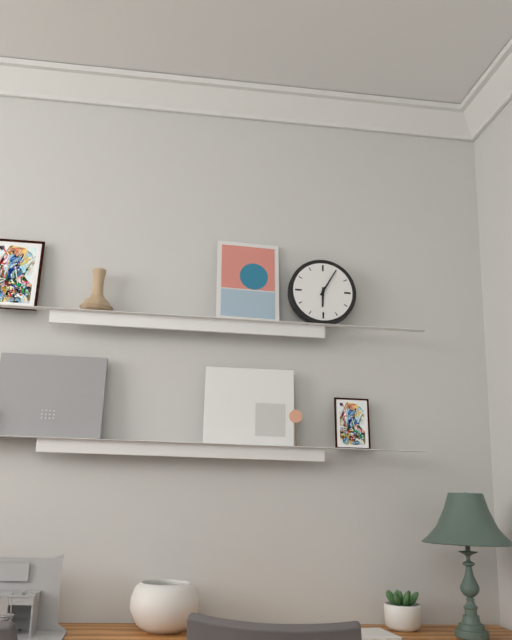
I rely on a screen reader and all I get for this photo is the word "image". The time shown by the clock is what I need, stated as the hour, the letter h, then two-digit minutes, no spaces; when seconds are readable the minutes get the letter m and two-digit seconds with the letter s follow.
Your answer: 6h05
